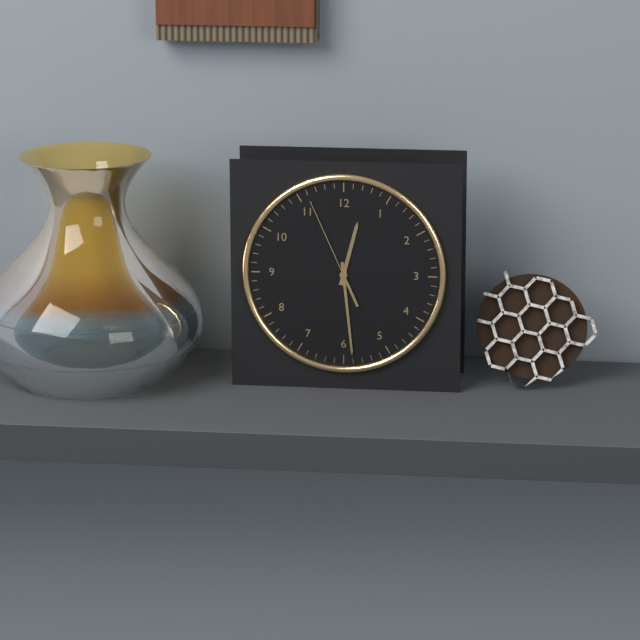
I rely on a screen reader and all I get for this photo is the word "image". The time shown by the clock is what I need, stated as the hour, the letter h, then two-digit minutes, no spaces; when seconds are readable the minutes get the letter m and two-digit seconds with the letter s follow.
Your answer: 12h29m56s
